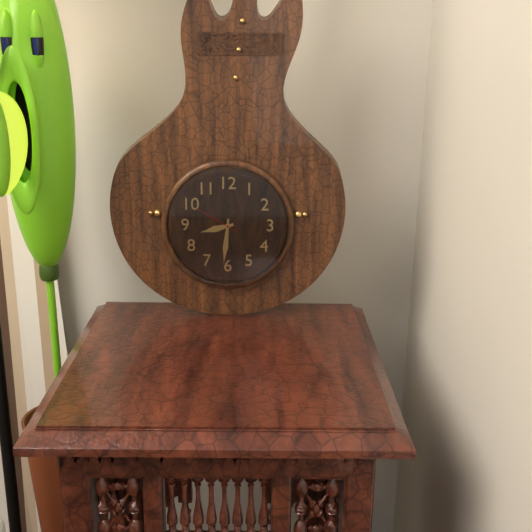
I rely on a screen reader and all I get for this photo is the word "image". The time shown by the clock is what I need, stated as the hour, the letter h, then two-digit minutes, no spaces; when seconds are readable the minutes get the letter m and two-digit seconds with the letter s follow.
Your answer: 8h31m50s
